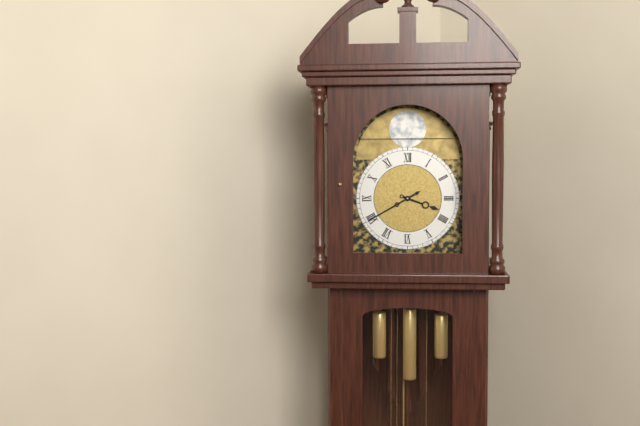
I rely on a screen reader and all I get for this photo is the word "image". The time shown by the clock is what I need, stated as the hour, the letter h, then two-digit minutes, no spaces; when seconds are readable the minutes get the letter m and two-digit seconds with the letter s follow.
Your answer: 3h40
